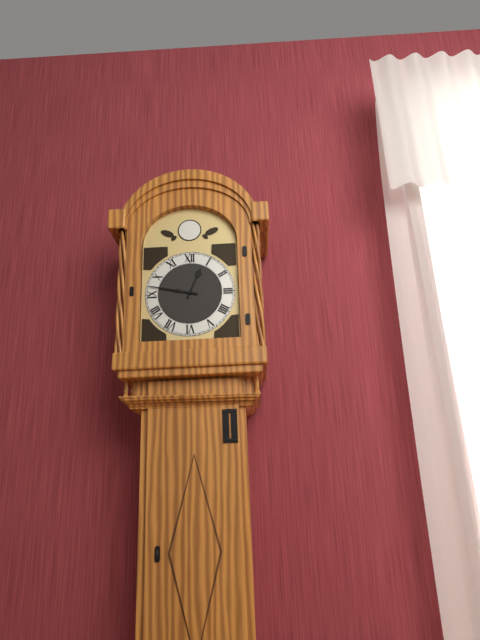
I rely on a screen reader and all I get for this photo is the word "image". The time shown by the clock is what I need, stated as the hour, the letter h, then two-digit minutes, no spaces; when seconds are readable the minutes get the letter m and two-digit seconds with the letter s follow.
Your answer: 12h47
